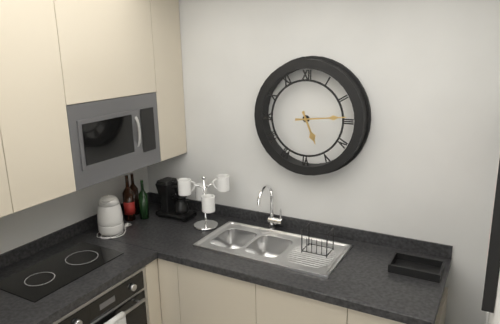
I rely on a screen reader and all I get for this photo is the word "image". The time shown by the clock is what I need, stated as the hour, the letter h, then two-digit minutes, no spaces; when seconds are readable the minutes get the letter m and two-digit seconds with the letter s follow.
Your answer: 5h14
